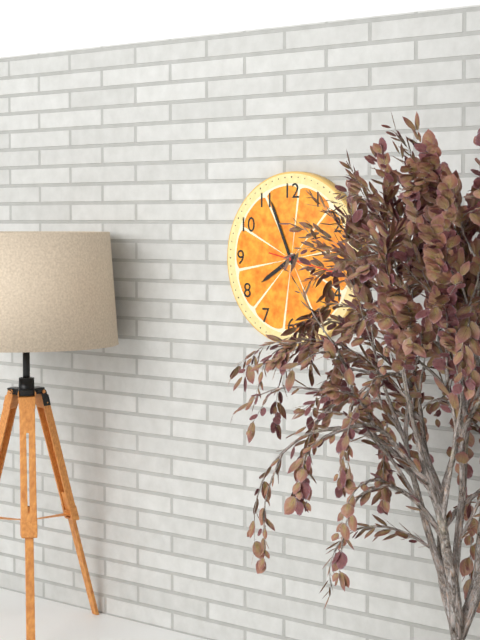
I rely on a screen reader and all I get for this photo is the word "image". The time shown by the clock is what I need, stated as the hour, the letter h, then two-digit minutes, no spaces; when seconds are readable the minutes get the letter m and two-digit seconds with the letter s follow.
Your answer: 7h56m17s
